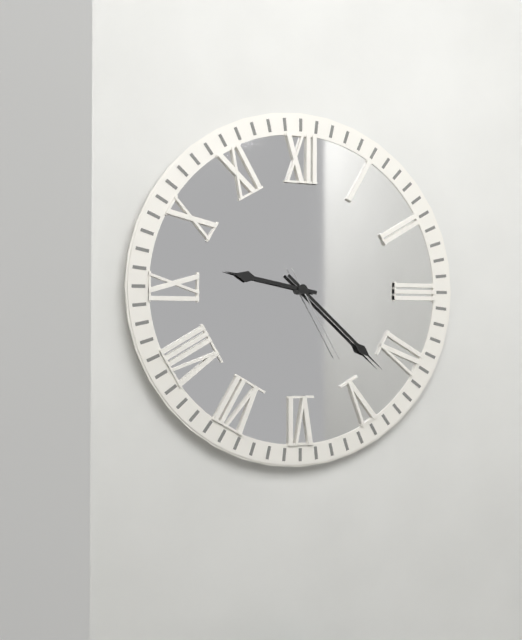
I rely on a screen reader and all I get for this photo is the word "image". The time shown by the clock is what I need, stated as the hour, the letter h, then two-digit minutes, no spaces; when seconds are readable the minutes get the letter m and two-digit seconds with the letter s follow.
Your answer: 9h22m25s
